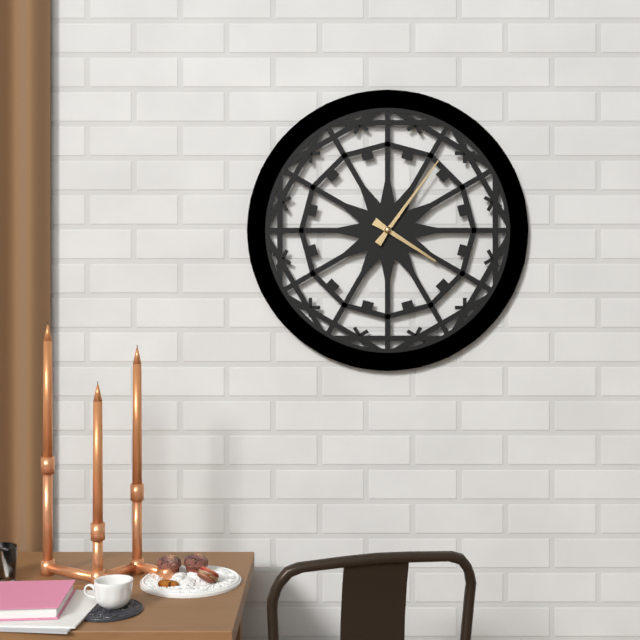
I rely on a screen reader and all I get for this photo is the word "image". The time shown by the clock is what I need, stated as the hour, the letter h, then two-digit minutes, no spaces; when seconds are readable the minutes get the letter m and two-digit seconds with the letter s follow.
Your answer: 4h06
